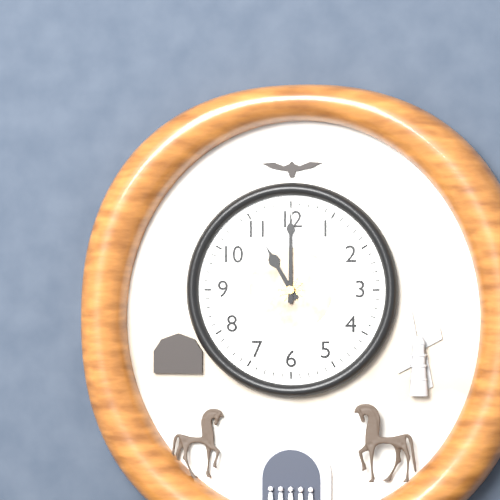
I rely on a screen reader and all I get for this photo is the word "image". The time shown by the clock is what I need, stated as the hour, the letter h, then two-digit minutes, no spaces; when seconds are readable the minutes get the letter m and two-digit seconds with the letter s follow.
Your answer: 11h00
